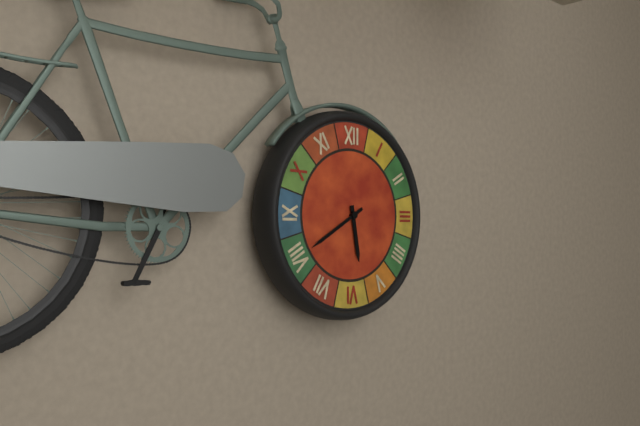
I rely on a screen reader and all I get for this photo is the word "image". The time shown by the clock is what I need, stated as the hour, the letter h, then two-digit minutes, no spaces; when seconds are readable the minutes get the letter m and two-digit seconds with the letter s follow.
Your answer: 5h40
